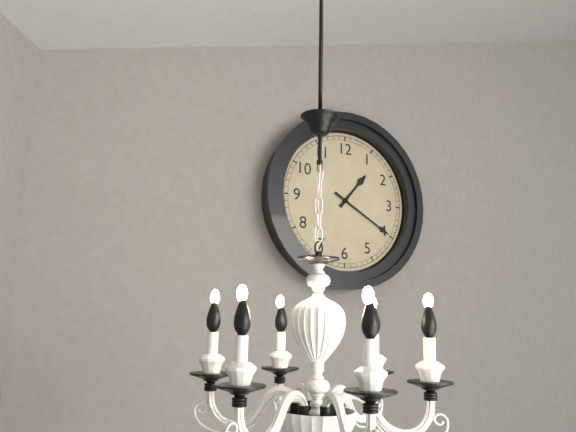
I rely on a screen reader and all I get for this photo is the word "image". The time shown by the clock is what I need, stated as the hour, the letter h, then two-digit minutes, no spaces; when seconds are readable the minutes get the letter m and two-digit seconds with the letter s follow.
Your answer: 1h20
